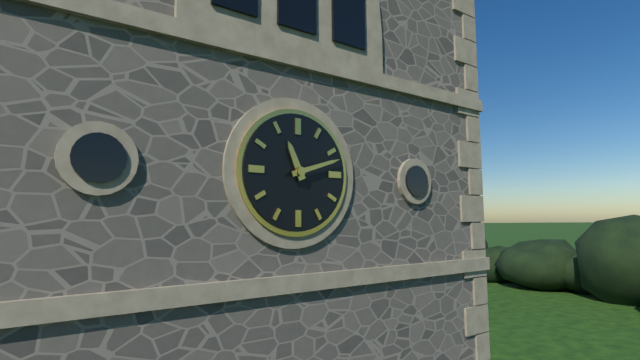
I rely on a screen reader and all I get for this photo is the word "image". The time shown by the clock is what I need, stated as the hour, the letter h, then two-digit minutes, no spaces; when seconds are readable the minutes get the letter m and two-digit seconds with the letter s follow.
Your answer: 11h12
